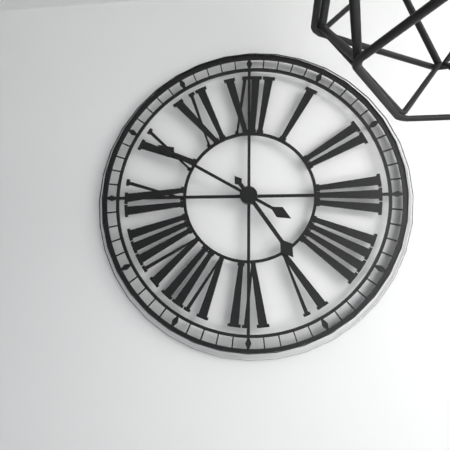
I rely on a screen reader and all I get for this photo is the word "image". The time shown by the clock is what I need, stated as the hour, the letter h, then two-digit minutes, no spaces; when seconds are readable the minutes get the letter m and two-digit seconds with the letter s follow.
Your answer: 4h50
